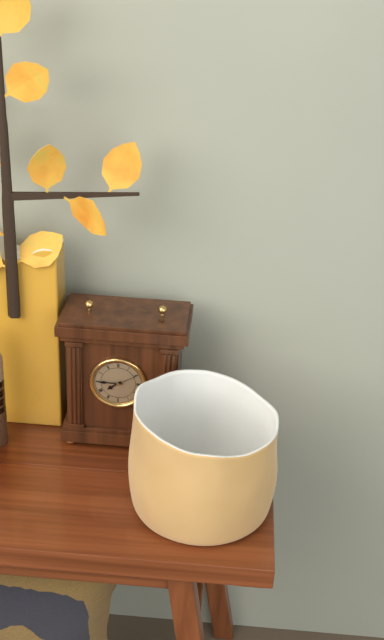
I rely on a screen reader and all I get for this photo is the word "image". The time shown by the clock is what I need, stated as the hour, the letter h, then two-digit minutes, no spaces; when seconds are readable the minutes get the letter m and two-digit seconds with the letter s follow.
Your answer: 7h45
